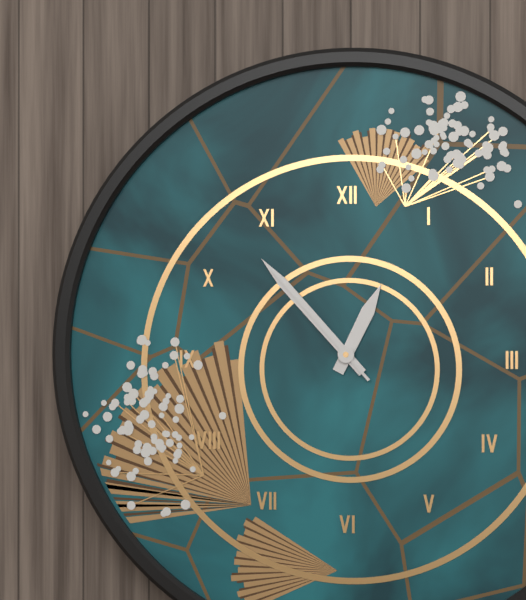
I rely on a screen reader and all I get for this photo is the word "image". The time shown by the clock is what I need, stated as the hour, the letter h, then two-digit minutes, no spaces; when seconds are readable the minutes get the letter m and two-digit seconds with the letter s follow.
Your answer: 12h53m53s
